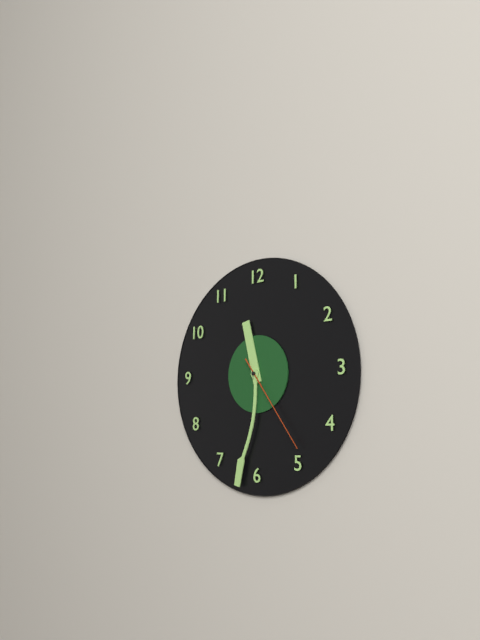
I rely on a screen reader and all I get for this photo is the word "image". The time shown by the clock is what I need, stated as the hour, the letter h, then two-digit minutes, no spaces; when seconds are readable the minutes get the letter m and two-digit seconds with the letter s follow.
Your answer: 11h32m24s
